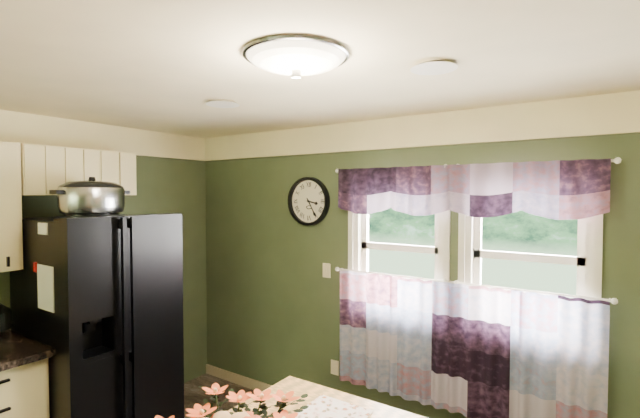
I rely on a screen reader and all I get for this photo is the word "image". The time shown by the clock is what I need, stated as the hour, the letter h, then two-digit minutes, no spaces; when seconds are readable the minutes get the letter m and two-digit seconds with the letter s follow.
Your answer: 3h25
